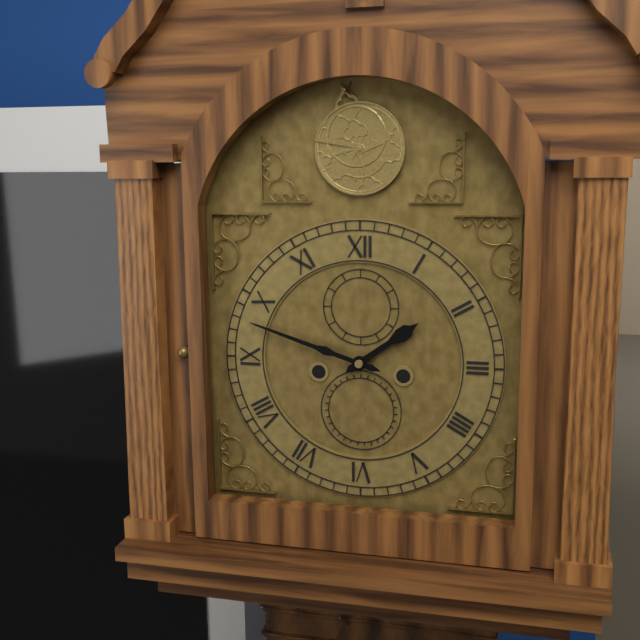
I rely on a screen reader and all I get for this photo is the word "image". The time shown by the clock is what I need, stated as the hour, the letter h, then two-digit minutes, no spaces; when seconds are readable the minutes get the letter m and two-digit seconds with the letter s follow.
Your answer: 1h48
